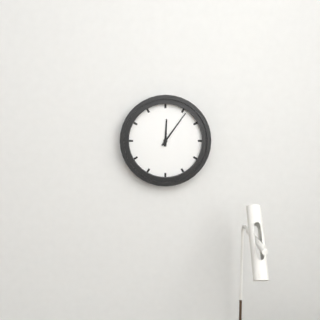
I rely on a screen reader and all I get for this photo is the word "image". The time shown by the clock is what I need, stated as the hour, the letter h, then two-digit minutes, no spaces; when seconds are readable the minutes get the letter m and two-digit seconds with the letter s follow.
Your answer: 12h06
